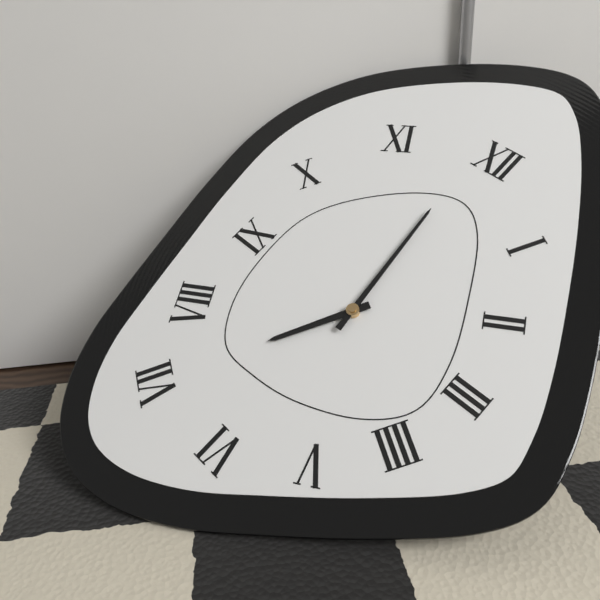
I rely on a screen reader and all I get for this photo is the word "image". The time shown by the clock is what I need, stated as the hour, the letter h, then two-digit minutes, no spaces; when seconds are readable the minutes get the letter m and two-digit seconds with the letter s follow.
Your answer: 6h59
